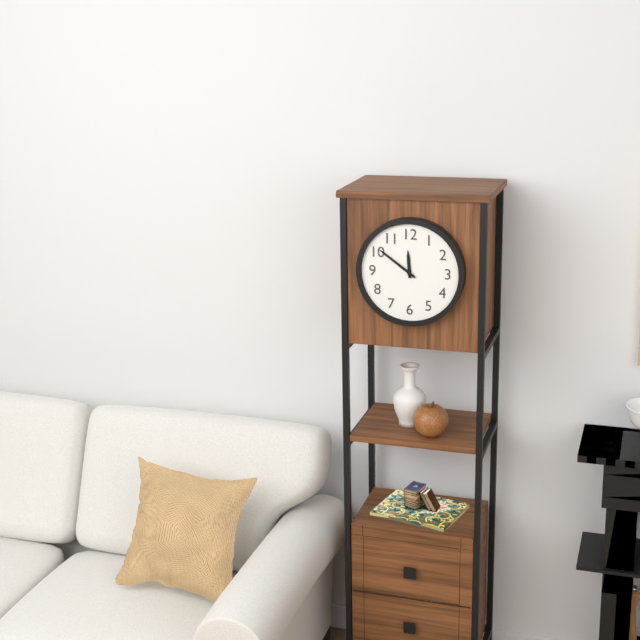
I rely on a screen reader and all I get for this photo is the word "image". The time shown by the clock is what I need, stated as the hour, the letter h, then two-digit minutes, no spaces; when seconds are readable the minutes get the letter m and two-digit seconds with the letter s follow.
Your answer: 11h51
